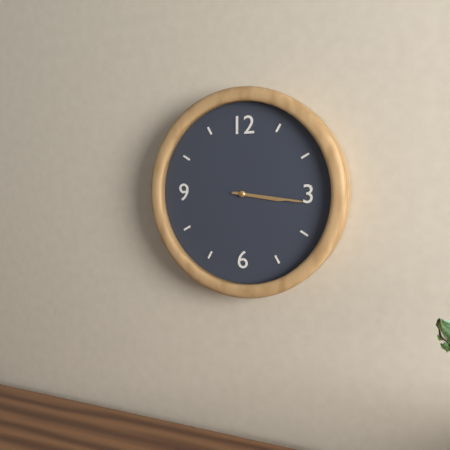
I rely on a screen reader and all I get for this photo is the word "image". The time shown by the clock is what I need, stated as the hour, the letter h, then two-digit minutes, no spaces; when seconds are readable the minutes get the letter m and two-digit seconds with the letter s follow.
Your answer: 3h16
